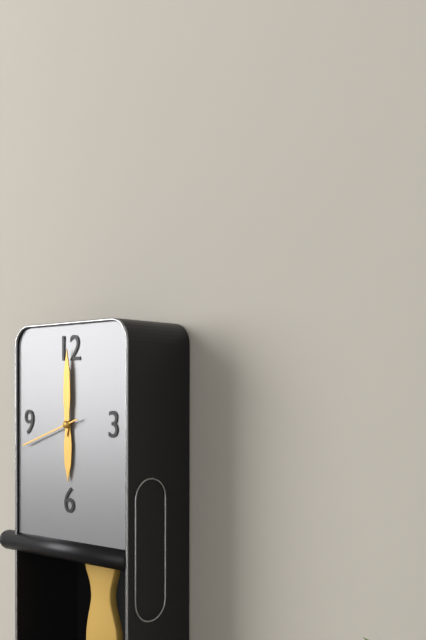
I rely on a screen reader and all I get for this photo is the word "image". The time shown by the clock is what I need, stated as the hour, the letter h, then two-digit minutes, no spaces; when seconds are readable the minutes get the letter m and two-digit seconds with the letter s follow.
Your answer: 6h00m42s
